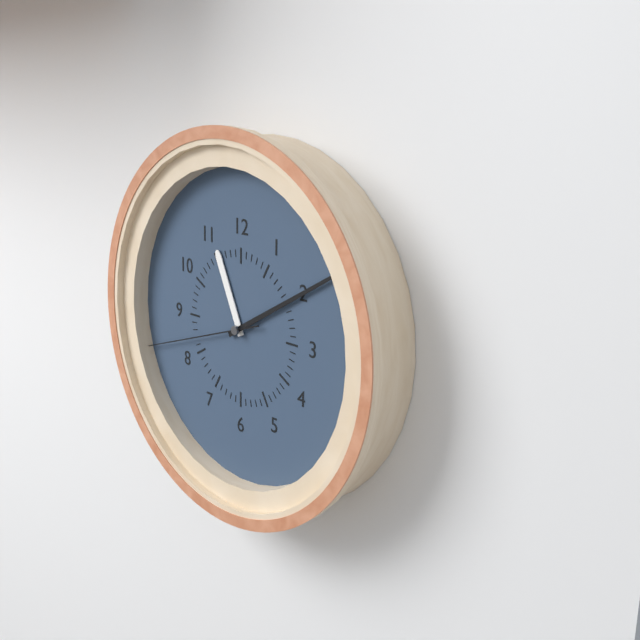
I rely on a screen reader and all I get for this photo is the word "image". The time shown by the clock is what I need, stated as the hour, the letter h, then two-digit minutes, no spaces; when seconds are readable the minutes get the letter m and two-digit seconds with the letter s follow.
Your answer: 11h10m42s
